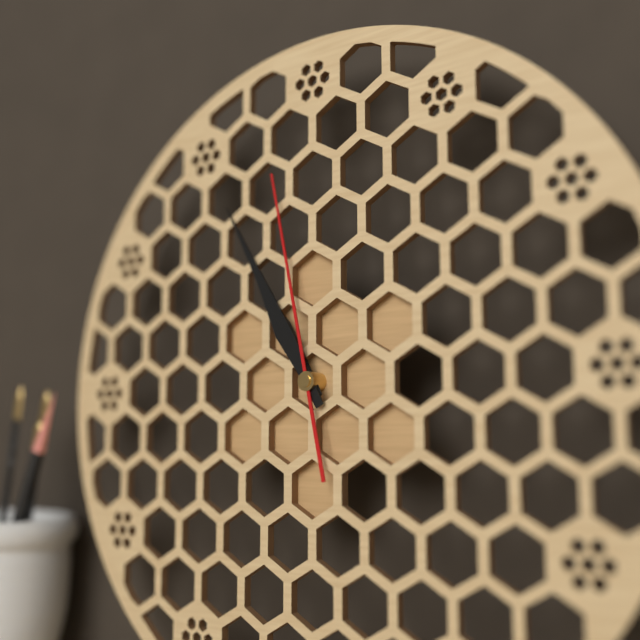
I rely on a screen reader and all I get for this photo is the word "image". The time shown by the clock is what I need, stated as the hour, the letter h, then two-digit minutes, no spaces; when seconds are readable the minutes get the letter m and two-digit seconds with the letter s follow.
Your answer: 10h55m58s
